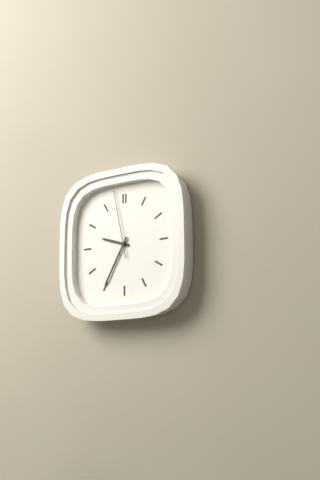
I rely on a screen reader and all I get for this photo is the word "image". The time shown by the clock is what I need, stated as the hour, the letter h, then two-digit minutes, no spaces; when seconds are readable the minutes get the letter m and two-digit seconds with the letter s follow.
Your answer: 9h35m58s
